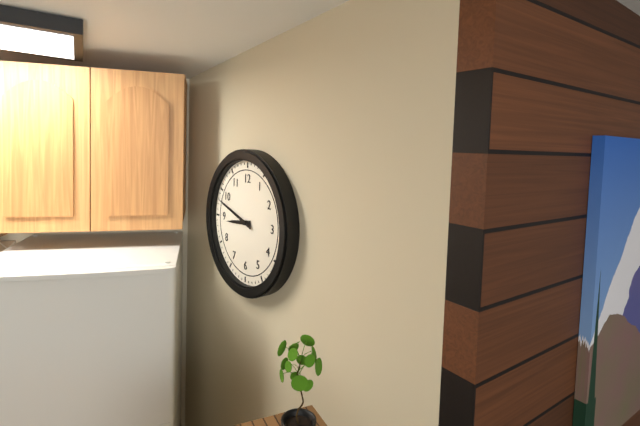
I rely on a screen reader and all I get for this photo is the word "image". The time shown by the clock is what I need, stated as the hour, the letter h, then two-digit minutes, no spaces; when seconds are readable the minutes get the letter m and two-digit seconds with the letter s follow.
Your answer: 8h48
